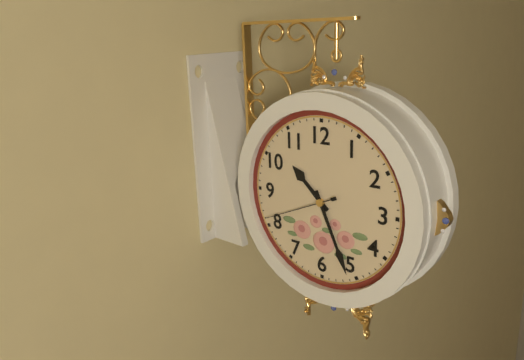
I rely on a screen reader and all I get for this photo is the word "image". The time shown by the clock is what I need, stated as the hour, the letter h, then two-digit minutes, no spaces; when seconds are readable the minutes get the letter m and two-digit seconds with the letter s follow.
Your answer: 10h26m41s
